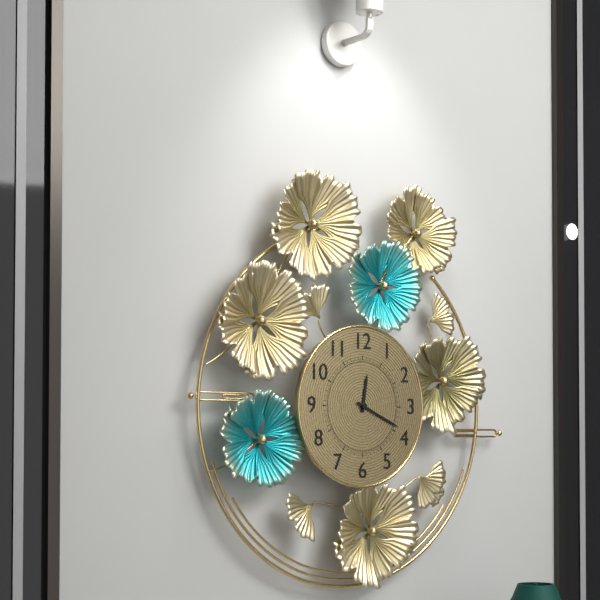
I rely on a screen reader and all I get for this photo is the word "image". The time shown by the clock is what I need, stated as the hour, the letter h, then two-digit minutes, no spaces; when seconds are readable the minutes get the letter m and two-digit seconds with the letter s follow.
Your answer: 12h19
